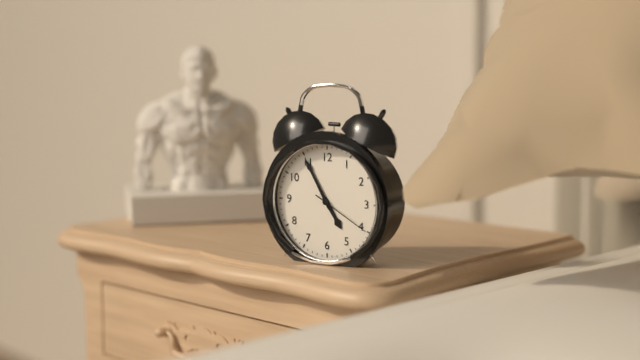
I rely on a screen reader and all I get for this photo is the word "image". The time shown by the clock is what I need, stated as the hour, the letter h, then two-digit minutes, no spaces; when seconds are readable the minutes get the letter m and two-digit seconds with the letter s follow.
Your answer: 4h55m20s
